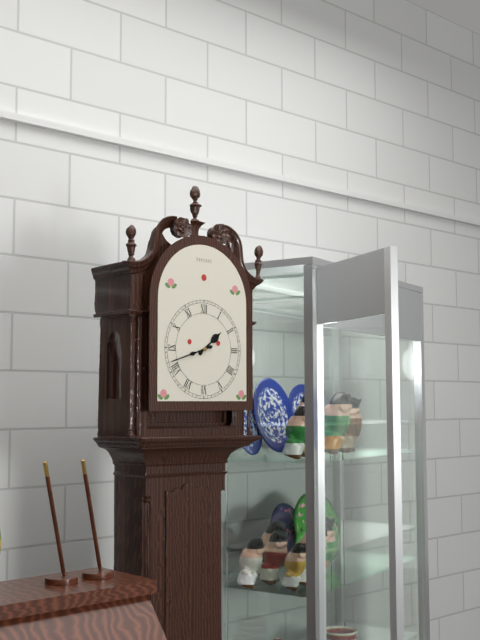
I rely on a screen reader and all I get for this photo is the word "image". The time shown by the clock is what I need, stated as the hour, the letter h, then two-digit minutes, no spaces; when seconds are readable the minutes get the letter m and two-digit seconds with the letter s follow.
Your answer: 1h42
